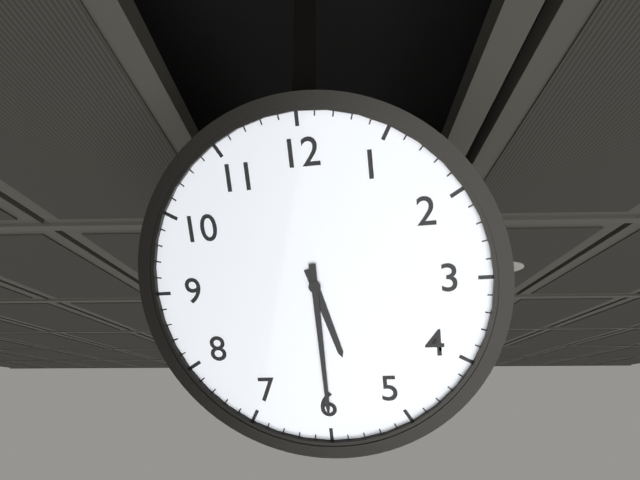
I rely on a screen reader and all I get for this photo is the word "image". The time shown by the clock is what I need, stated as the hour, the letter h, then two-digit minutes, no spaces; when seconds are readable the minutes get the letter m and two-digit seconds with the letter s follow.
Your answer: 5h30
